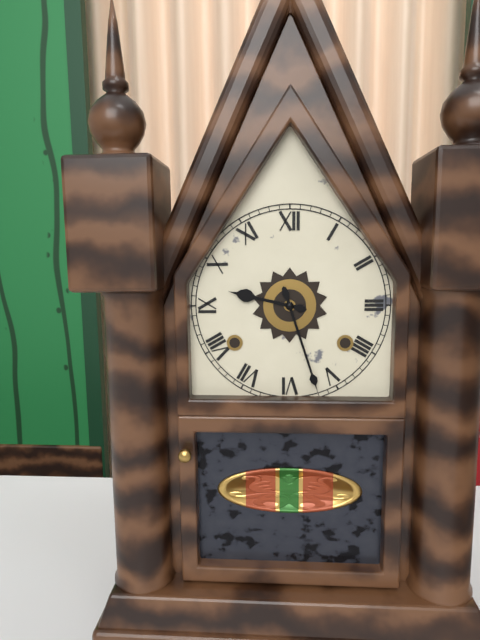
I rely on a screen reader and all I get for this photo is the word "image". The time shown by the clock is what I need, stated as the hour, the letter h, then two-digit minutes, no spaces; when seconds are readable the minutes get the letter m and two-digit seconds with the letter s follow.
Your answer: 9h27
